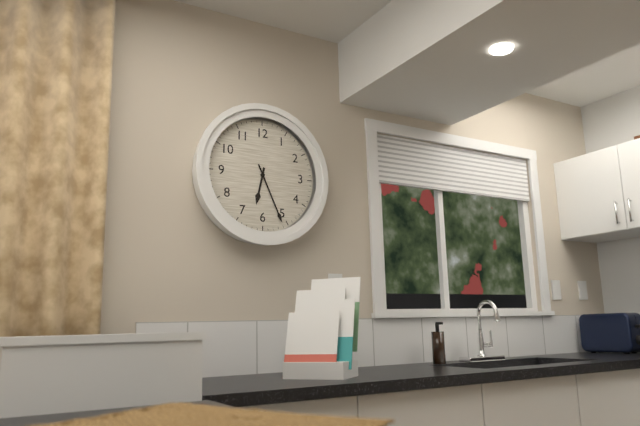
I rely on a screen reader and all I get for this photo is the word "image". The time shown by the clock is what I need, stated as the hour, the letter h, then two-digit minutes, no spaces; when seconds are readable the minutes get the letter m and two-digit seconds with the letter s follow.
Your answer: 6h26
